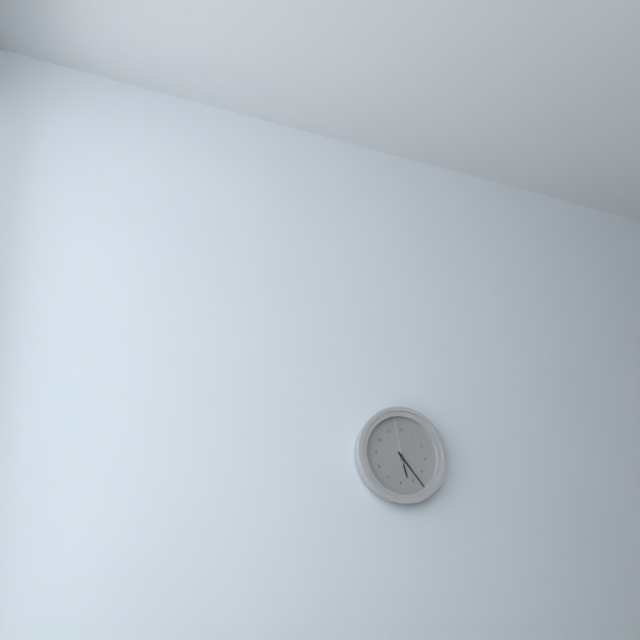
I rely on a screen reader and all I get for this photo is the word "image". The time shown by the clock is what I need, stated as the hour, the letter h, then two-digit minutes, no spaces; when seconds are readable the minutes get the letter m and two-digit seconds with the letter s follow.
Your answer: 5h23
